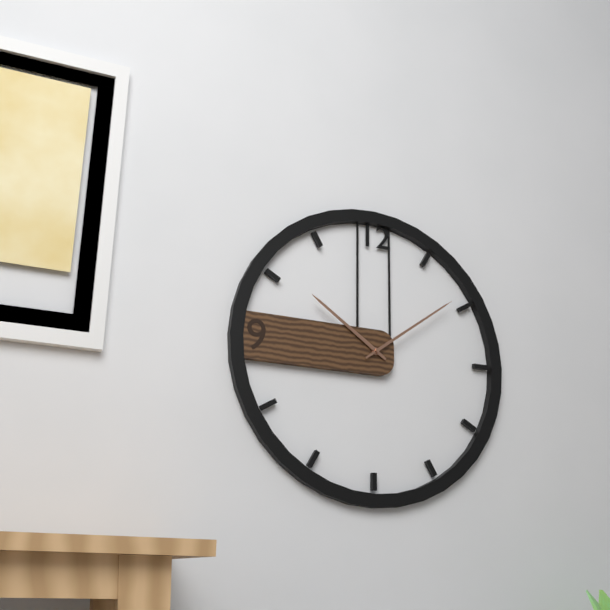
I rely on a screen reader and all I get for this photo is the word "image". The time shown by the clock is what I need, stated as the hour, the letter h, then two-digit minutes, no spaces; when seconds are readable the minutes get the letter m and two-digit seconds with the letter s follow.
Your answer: 10h09
